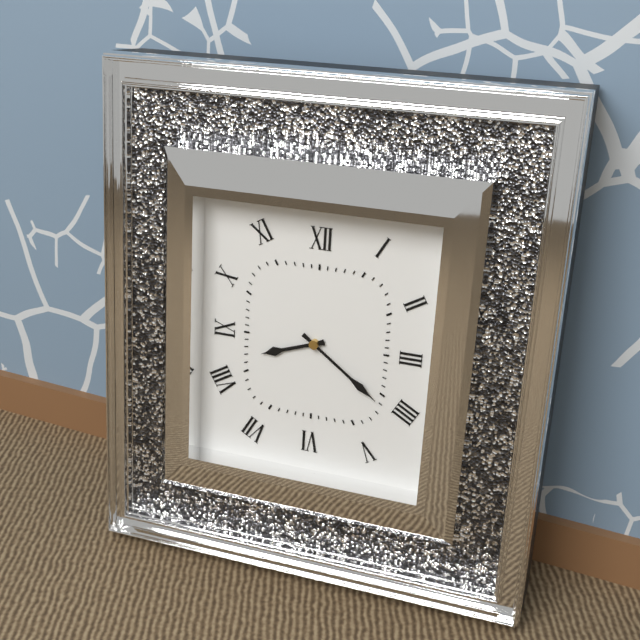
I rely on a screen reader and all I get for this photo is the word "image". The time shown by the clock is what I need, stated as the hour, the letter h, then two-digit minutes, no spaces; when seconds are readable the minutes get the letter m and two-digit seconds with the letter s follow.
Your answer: 8h21
